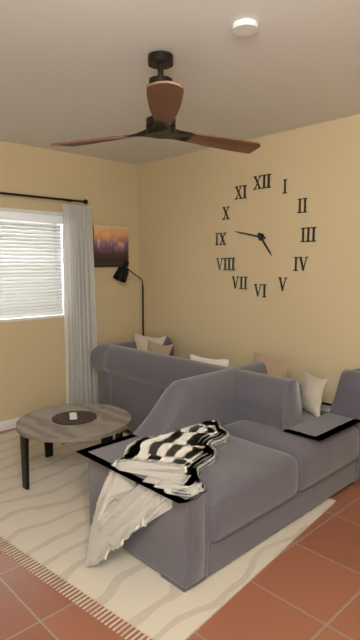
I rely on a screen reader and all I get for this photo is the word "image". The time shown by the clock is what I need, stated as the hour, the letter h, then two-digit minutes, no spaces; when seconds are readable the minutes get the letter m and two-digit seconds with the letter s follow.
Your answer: 4h47
